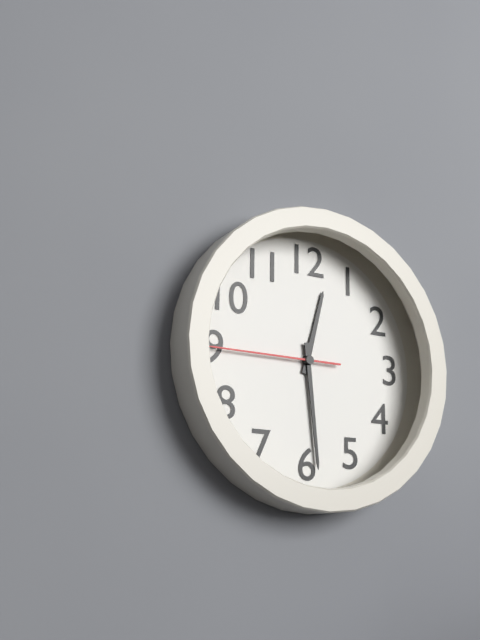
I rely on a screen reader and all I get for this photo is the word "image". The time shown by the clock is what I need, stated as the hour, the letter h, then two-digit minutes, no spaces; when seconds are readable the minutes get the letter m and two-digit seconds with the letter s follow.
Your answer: 12h29m45s
